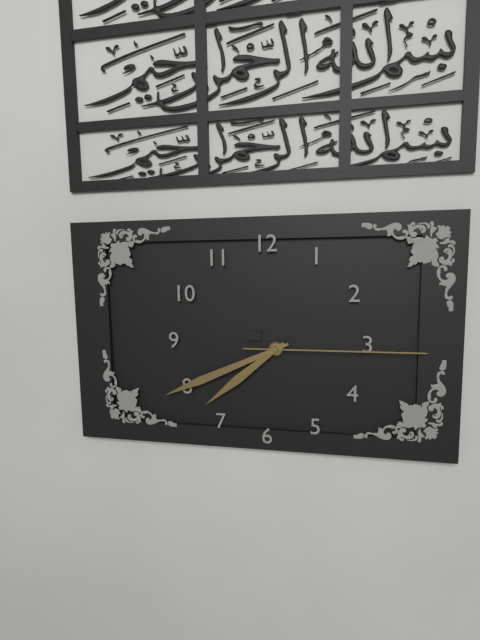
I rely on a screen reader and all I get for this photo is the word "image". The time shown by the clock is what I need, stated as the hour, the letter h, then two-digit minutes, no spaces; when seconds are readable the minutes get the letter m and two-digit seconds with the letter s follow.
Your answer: 7h41m15s
